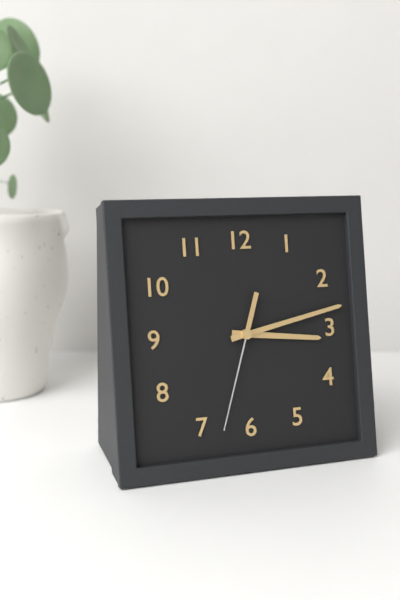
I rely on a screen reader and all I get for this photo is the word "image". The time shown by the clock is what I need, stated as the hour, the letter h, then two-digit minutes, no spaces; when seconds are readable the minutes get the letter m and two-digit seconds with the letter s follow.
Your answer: 3h13m33s
